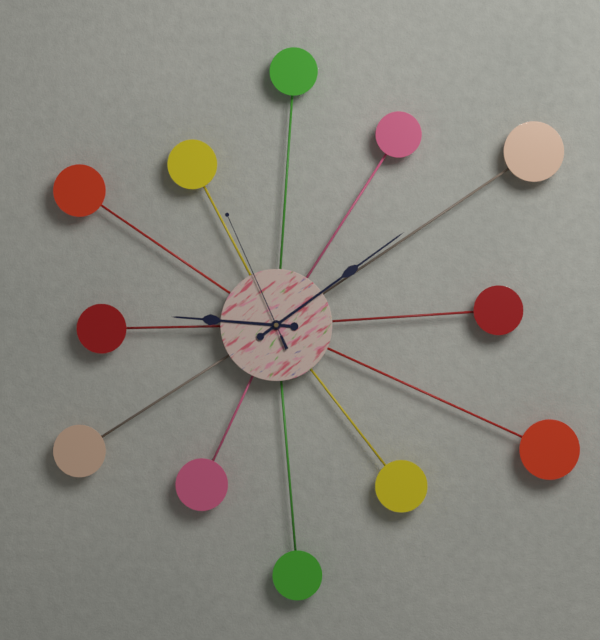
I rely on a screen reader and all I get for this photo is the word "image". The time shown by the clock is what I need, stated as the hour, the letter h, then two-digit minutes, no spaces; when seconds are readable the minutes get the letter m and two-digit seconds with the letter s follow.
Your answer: 9h09m56s
